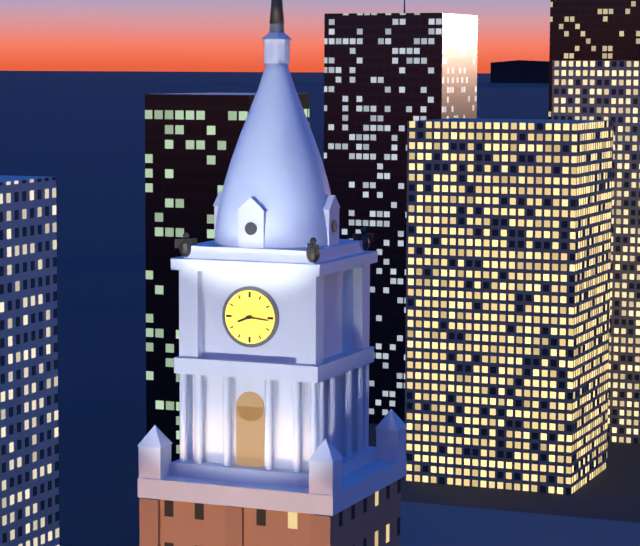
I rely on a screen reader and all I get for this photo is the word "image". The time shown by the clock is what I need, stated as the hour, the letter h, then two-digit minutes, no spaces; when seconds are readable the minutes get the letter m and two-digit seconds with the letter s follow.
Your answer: 8h16
